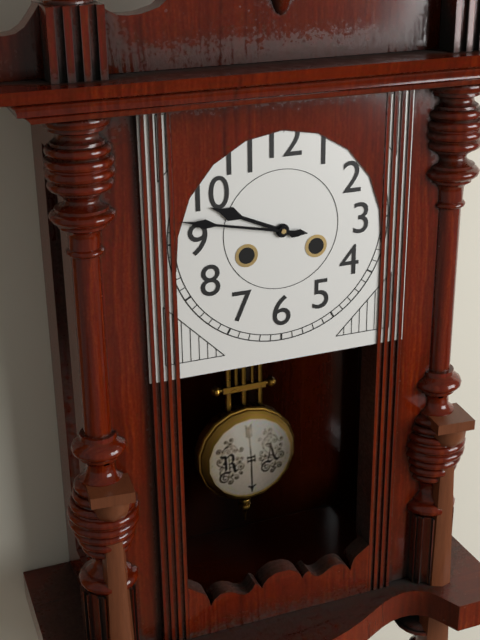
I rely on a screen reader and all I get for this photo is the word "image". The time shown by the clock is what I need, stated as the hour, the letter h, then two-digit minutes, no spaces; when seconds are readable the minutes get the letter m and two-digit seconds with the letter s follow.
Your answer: 9h47
